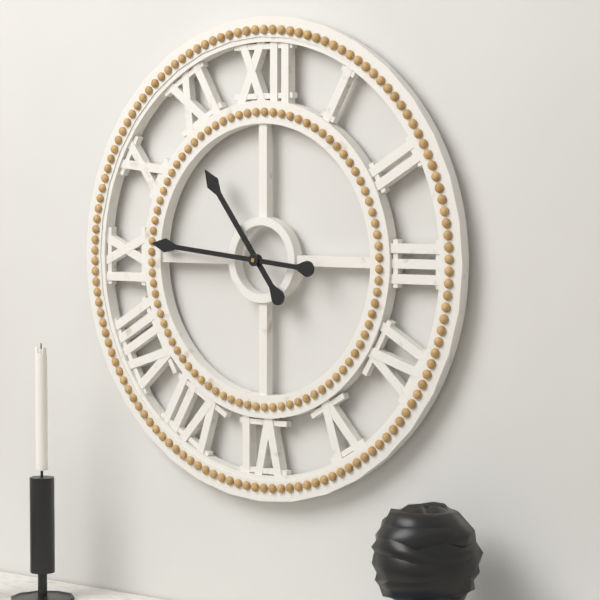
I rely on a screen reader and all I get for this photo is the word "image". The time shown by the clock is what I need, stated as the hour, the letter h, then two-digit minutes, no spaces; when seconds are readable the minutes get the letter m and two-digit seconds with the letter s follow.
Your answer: 10h46
